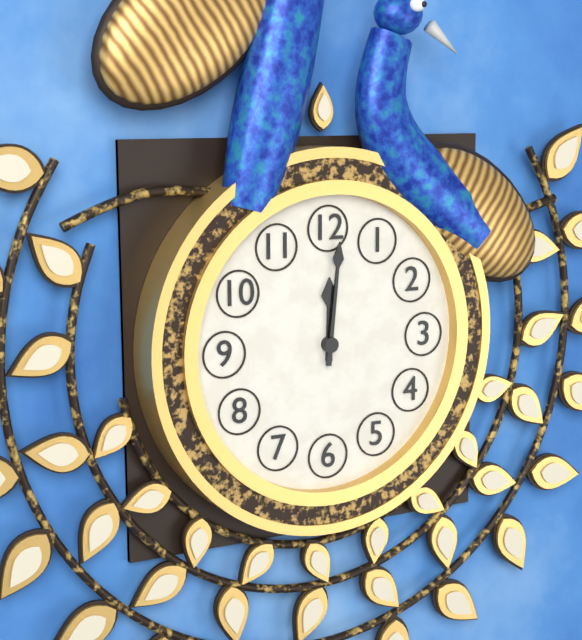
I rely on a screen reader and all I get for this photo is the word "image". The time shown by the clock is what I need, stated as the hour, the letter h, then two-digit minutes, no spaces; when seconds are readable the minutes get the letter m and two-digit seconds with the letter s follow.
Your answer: 12h01
